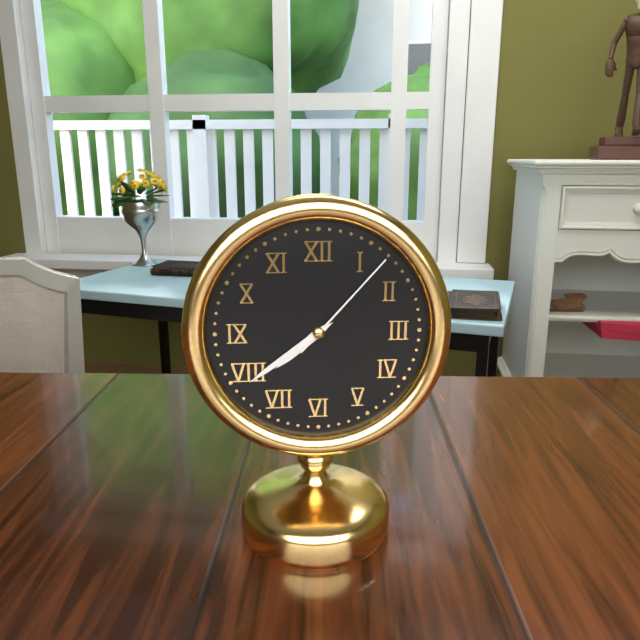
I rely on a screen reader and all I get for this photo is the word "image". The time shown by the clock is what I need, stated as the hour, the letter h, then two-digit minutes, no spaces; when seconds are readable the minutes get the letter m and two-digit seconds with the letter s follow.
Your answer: 7h39m07s
